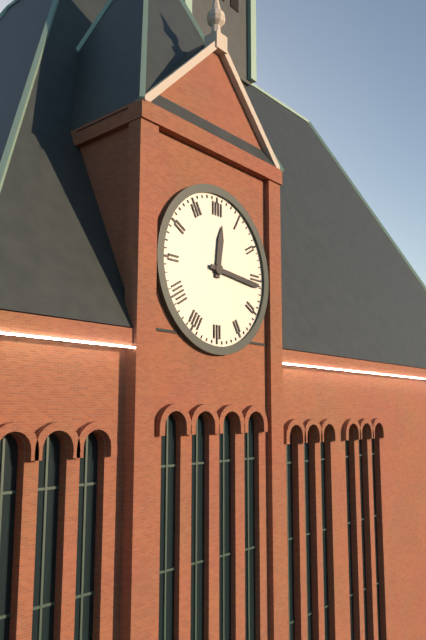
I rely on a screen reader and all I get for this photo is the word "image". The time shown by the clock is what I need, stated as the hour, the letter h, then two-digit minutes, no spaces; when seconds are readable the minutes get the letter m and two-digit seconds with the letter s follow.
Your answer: 12h16
